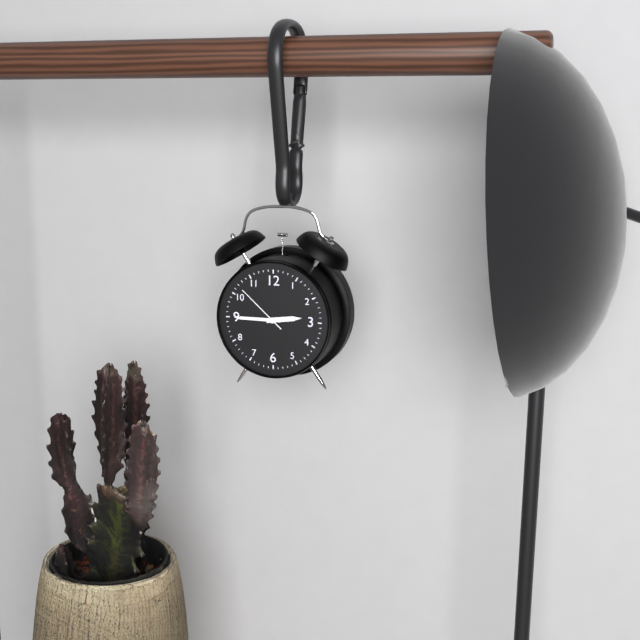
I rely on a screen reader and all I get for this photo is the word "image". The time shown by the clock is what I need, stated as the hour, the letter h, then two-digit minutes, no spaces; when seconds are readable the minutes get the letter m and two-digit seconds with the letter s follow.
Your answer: 2h45m52s
